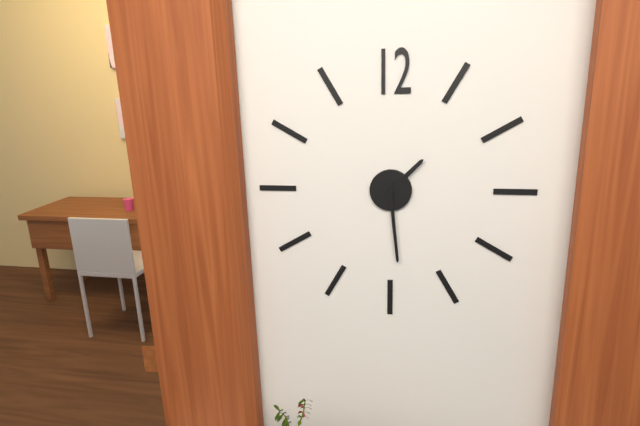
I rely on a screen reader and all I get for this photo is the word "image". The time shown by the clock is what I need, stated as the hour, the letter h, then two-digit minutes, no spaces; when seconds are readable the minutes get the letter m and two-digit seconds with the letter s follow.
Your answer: 1h29
